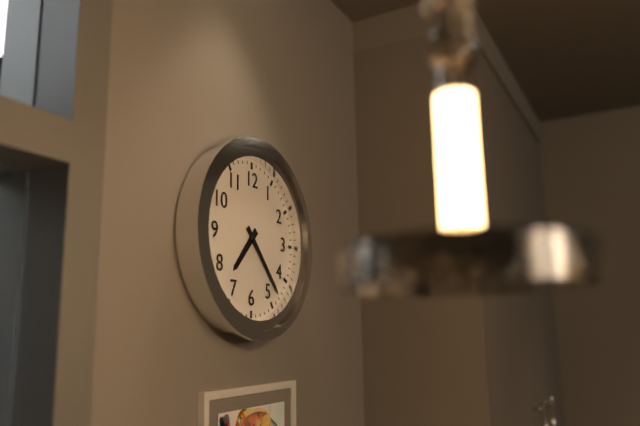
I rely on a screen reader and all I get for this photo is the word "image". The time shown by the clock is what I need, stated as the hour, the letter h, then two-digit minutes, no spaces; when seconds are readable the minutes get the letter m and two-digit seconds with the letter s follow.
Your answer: 7h23
